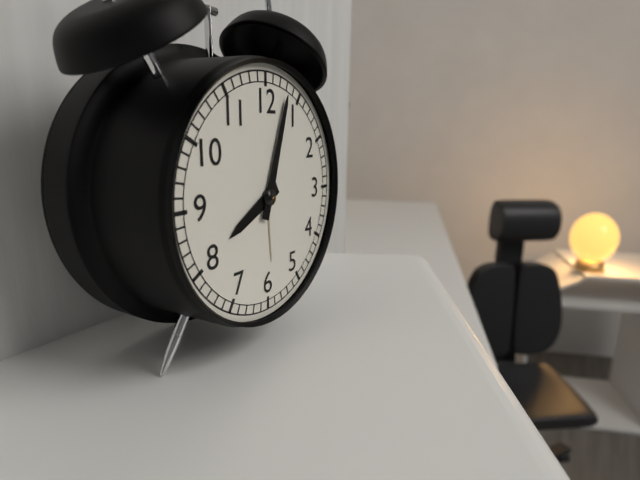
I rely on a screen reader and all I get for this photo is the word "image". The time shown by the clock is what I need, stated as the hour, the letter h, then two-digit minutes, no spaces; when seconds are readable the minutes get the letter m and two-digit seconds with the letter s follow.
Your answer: 8h03
